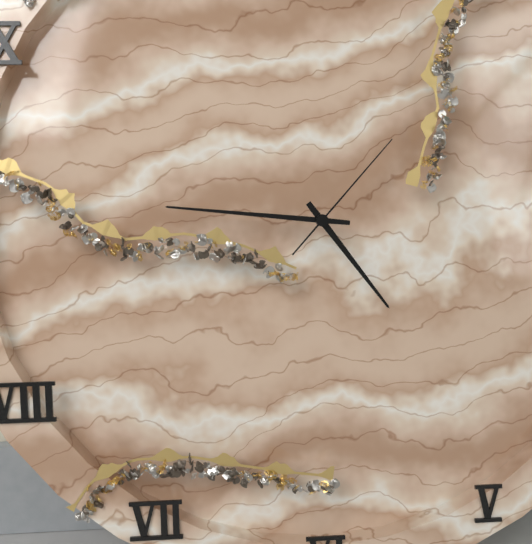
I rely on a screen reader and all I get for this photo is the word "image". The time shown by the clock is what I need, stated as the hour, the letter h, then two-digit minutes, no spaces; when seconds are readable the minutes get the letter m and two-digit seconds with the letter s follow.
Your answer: 4h46m07s
